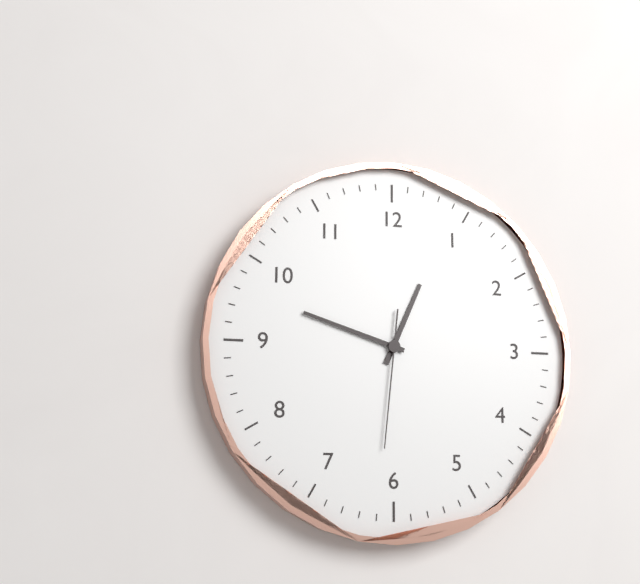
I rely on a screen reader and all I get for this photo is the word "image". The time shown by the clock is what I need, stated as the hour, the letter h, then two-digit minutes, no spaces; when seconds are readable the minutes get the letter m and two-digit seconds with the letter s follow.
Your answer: 12h48m31s
